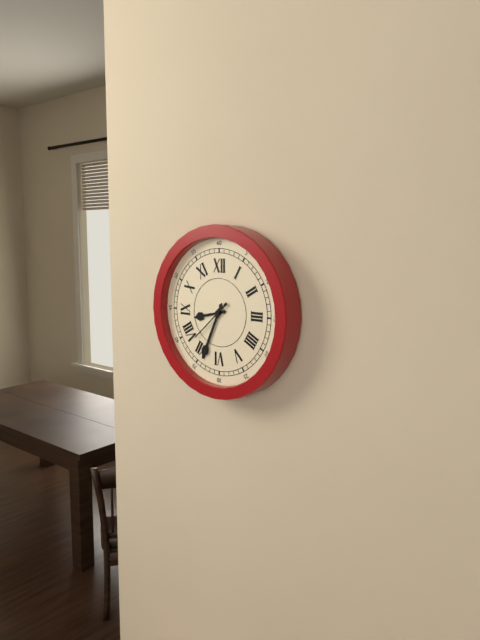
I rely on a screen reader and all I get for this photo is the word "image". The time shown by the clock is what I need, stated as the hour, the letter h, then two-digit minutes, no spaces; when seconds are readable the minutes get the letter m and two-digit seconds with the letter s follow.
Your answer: 8h34
